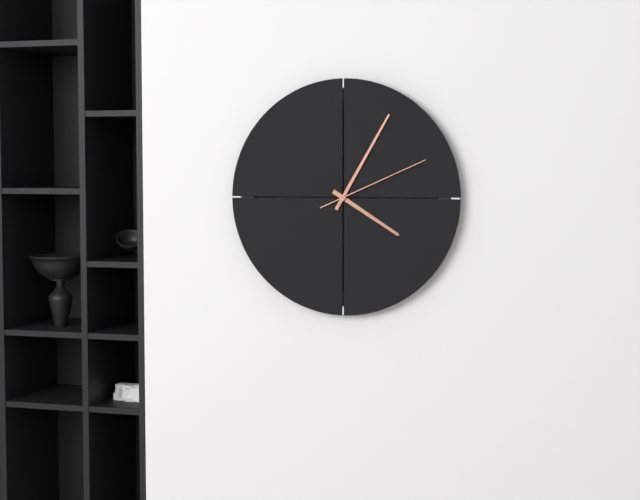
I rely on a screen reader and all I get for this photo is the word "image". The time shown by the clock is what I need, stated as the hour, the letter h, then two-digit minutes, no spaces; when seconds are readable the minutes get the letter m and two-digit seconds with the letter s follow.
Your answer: 4h05m11s
